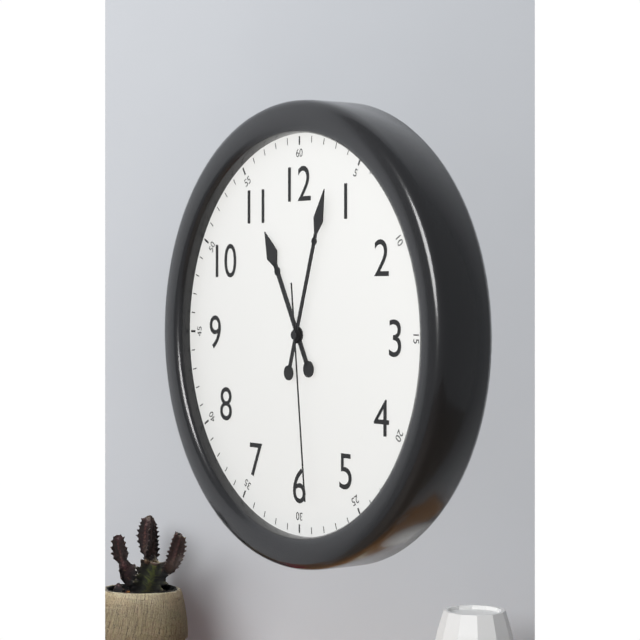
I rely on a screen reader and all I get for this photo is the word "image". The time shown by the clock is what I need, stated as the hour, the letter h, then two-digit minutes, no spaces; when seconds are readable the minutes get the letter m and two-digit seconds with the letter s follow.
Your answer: 11h03m29s
